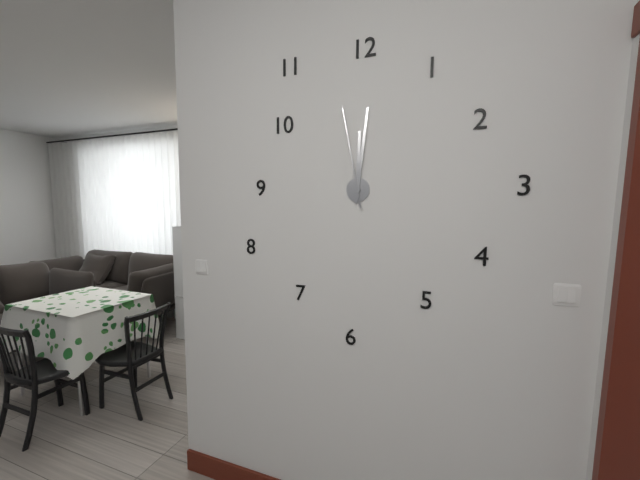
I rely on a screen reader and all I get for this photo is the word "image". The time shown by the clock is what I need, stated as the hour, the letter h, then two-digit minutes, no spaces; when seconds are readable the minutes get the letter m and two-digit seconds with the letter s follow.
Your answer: 12h01m58s
